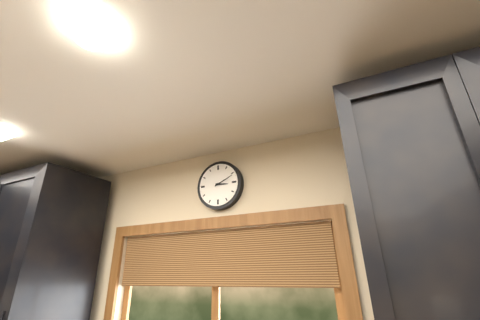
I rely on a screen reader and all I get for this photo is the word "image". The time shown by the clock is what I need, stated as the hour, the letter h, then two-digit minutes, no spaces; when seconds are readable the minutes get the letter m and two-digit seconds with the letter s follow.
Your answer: 3h11
